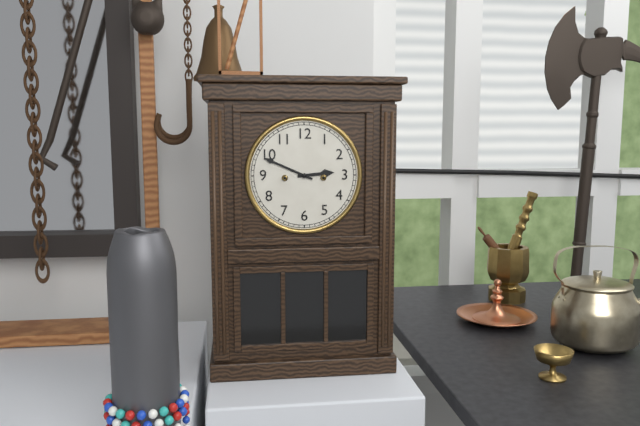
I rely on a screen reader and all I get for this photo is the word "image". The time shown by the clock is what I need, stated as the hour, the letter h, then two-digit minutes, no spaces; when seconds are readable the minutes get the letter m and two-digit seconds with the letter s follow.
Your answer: 2h49
